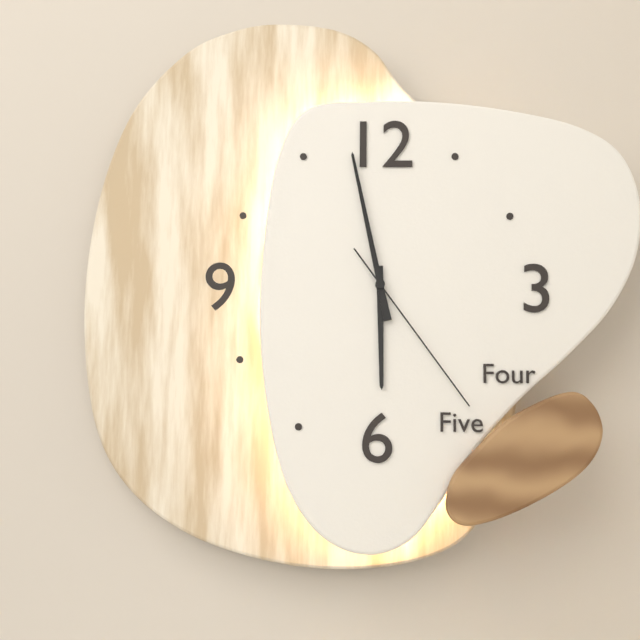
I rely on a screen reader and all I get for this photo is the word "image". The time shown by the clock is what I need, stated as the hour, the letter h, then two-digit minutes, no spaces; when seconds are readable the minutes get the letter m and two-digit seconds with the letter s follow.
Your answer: 5h58m24s
